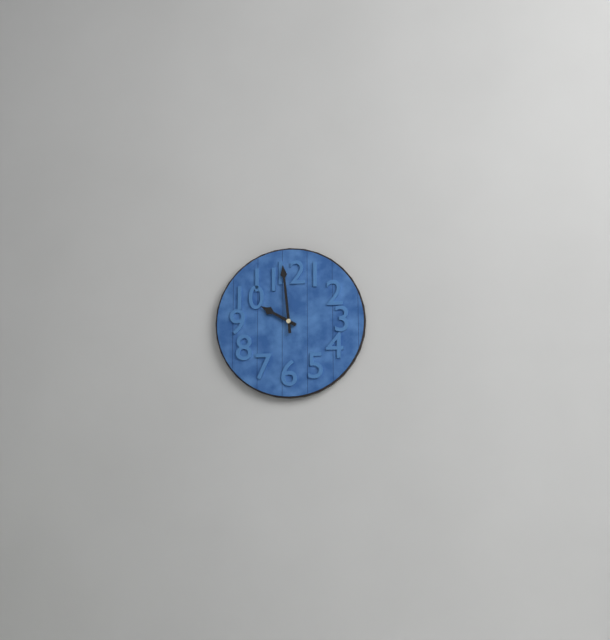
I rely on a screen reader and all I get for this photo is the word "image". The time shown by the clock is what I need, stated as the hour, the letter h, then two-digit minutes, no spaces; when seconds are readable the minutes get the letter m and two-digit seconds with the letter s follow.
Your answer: 9h59
